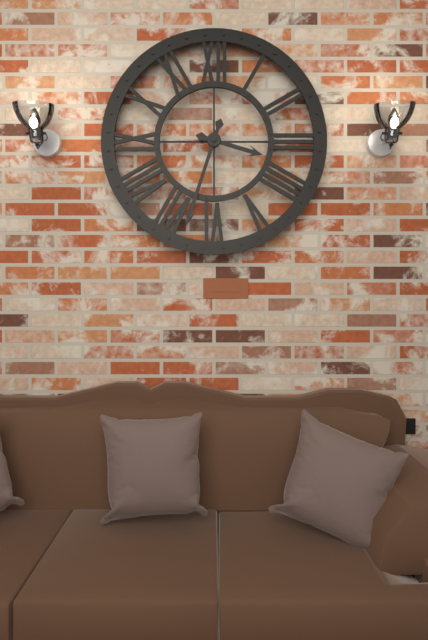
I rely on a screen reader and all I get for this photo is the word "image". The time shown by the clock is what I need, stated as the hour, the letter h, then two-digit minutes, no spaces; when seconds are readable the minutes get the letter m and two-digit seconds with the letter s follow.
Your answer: 3h33
